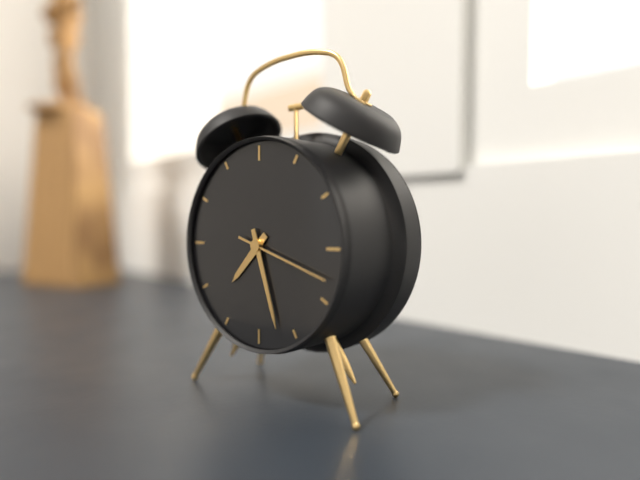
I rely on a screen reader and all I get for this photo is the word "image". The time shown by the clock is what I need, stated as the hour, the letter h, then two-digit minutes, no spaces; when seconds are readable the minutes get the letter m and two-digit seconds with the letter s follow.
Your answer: 7h27m18s
